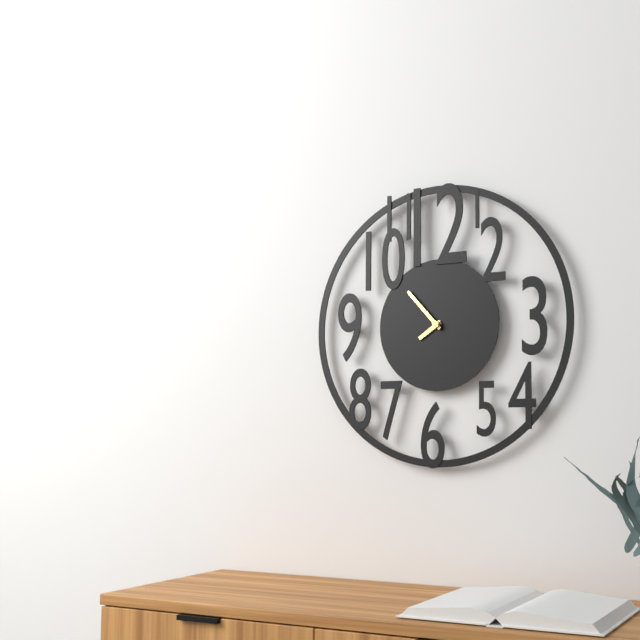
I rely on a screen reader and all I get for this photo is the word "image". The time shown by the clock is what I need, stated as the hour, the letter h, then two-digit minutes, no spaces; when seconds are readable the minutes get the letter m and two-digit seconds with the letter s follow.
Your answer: 7h53
